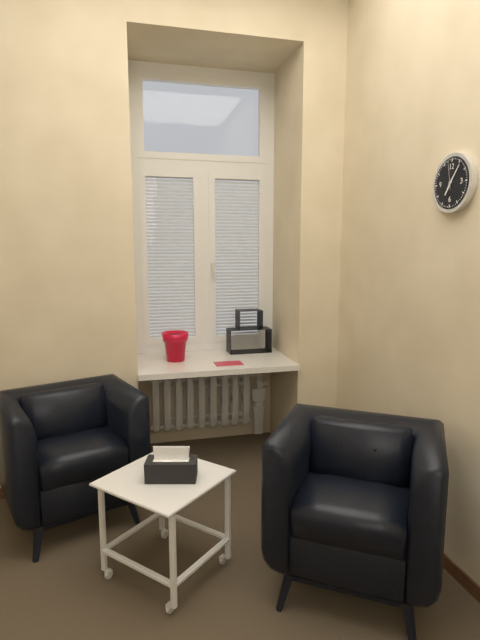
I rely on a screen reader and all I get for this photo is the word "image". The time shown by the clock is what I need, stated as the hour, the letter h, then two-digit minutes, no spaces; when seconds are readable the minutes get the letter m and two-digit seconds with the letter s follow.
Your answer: 7h06
